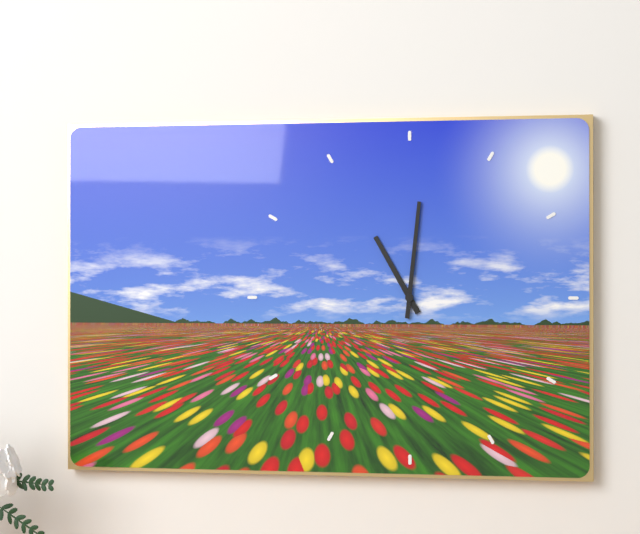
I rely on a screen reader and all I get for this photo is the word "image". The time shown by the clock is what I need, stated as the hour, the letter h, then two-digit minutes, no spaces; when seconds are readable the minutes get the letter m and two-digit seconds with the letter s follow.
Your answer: 11h01
